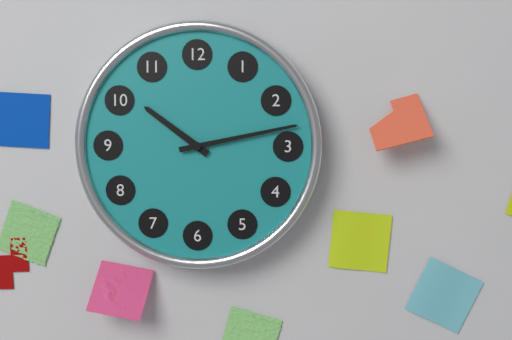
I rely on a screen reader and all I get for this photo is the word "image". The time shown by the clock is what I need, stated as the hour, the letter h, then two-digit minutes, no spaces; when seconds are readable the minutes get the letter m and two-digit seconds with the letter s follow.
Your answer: 10h13
